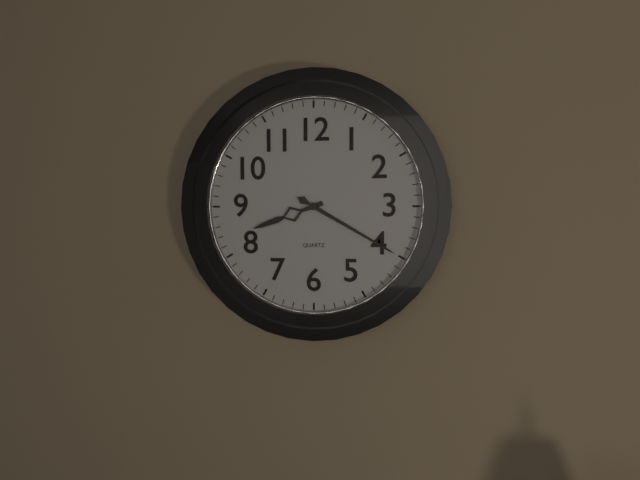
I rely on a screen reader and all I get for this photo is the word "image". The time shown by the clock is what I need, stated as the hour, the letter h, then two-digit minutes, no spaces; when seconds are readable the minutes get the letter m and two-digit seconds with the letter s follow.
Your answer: 8h20
